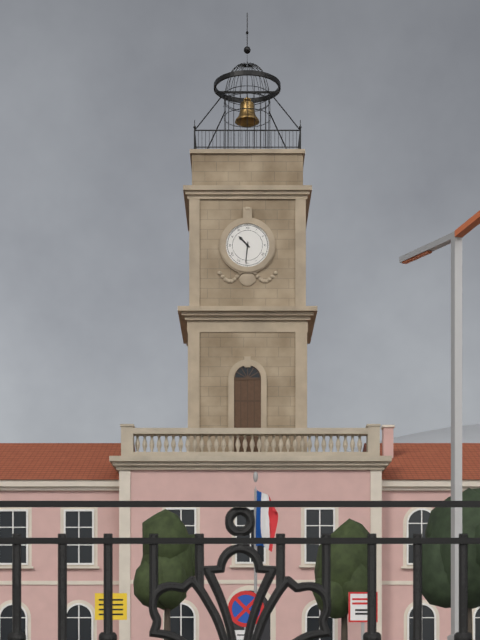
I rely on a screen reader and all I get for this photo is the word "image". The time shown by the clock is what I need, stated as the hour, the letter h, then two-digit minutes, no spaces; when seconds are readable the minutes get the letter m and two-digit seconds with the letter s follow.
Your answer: 10h31
